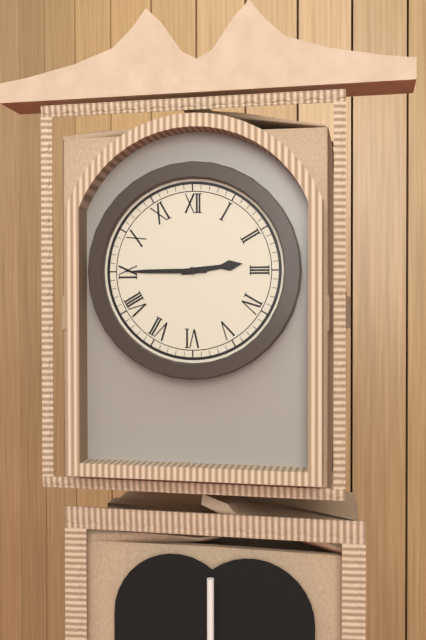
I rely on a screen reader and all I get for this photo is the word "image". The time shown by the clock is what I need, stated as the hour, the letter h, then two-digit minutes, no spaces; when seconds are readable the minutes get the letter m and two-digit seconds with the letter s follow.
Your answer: 2h45
